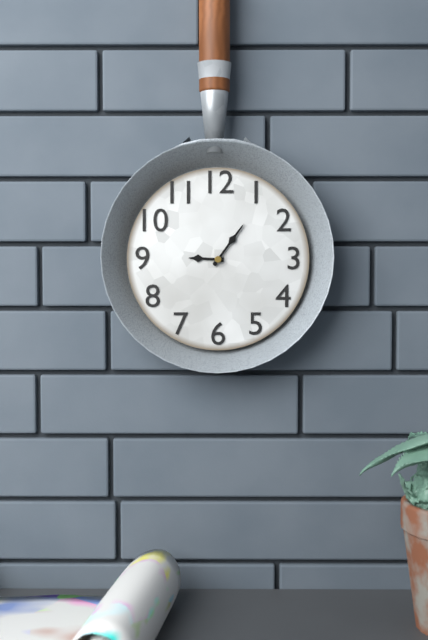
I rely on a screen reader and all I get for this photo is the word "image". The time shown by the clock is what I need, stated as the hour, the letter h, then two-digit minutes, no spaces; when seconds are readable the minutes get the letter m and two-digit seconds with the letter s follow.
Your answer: 9h06
